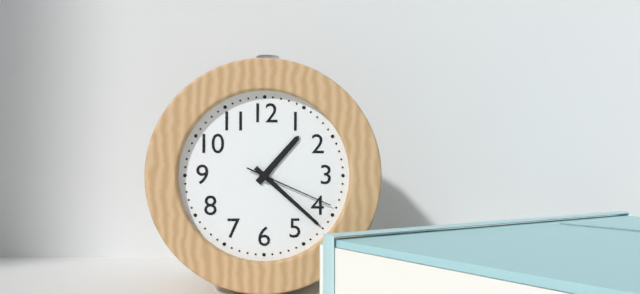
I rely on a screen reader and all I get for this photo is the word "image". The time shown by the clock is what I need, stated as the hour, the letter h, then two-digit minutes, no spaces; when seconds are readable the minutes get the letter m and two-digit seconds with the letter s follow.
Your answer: 1h22m19s
